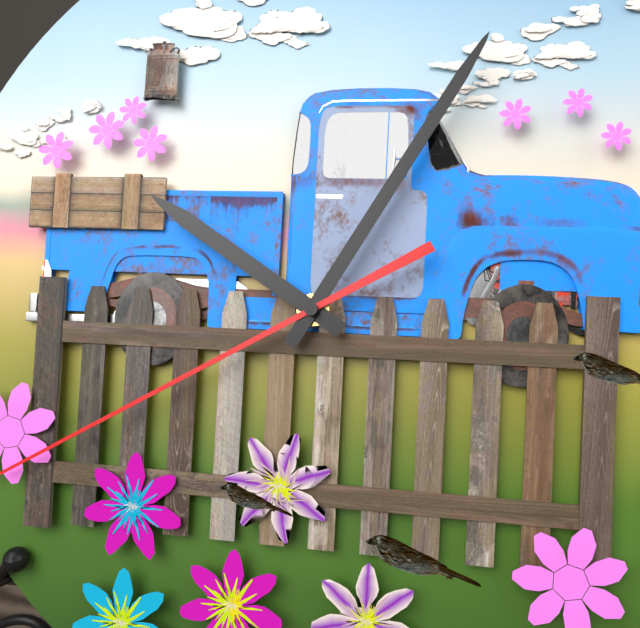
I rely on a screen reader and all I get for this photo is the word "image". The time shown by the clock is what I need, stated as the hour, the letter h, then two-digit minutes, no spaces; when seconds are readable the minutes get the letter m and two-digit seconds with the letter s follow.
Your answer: 10h05
